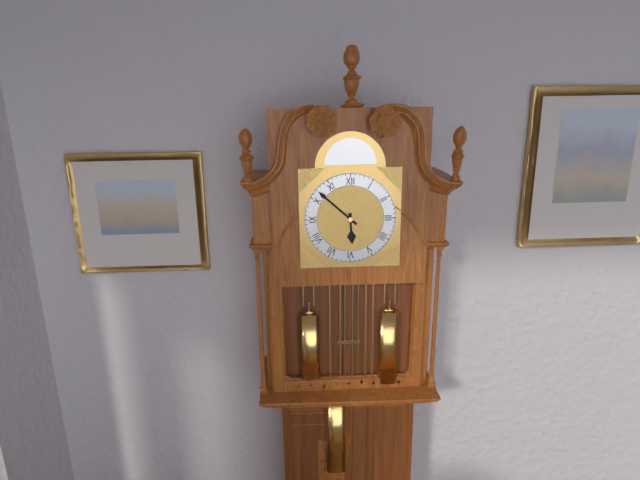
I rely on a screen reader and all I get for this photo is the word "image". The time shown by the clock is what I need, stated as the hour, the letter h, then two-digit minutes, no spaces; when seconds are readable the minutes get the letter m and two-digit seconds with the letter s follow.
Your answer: 5h52
